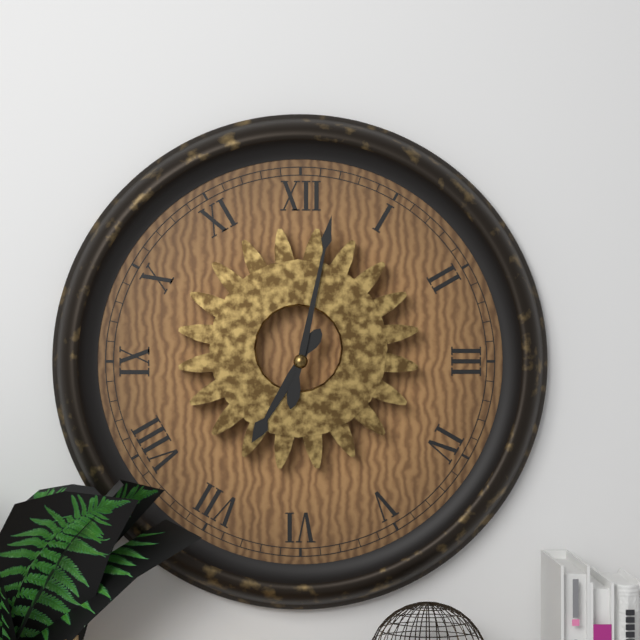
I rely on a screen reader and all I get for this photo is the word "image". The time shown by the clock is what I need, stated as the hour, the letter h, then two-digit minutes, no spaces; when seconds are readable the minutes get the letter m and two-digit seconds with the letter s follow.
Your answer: 7h02
